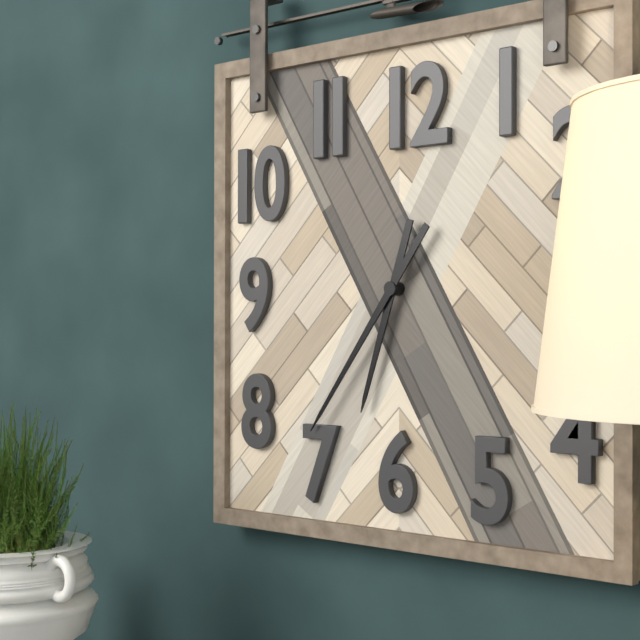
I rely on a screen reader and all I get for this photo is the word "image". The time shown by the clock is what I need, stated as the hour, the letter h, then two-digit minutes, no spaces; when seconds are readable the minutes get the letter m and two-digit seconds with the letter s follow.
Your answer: 6h36
